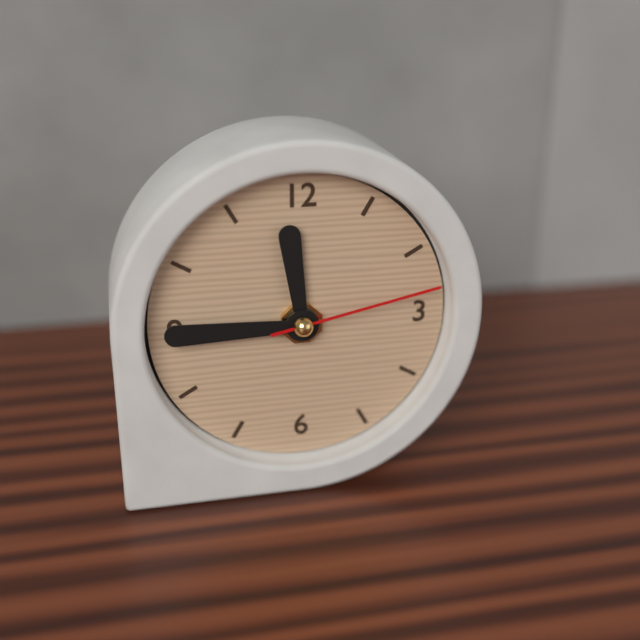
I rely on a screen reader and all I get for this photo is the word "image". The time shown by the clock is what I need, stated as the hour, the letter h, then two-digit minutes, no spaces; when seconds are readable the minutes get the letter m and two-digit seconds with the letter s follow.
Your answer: 11h45m13s
